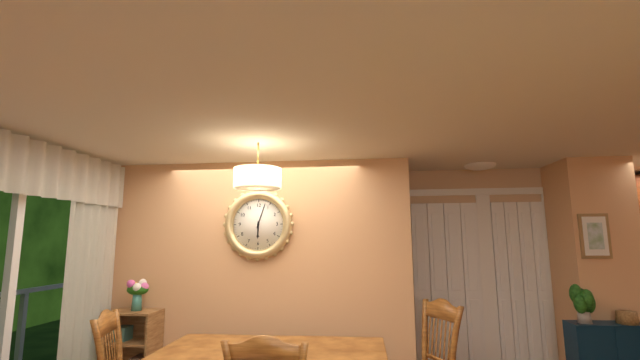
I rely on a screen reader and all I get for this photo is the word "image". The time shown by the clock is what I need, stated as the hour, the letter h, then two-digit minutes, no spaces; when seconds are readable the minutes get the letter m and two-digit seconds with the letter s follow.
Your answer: 6h03
